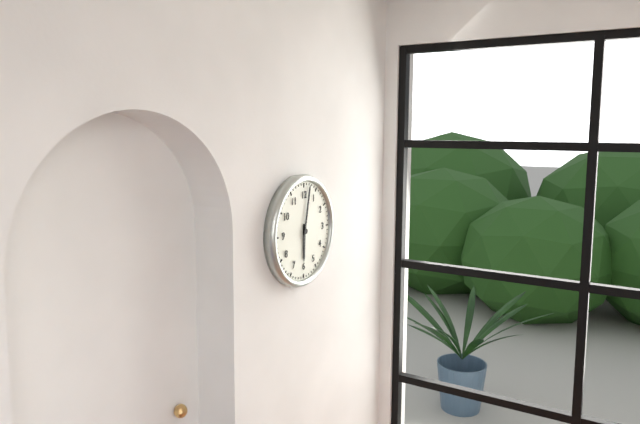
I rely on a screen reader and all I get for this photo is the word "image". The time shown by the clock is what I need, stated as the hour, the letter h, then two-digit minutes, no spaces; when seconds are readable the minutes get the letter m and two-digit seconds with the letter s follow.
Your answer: 6h02
